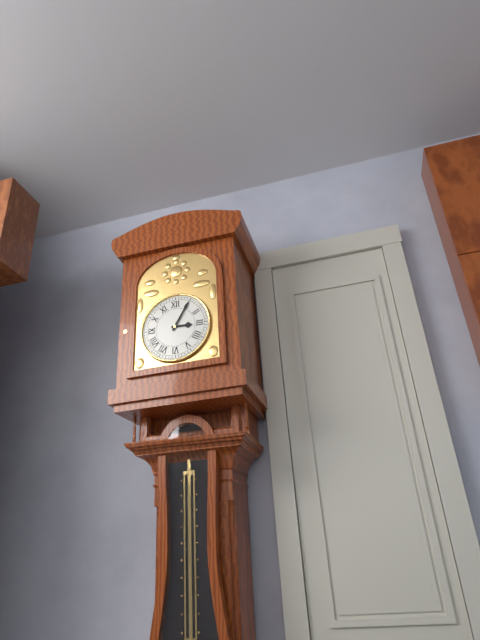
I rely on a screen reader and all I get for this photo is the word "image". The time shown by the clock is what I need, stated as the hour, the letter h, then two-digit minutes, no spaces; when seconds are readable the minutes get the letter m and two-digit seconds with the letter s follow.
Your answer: 3h05
